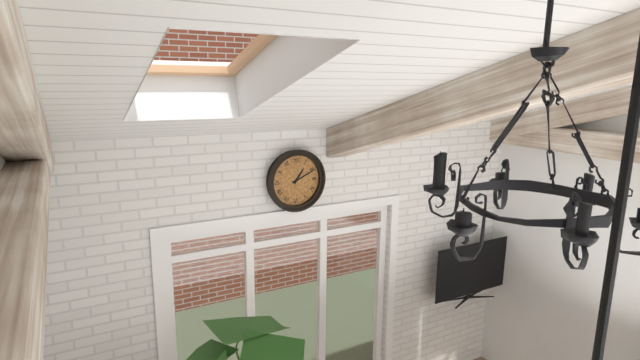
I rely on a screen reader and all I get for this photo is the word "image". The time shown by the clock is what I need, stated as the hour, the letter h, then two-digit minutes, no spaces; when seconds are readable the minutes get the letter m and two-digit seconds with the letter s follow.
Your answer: 1h11
